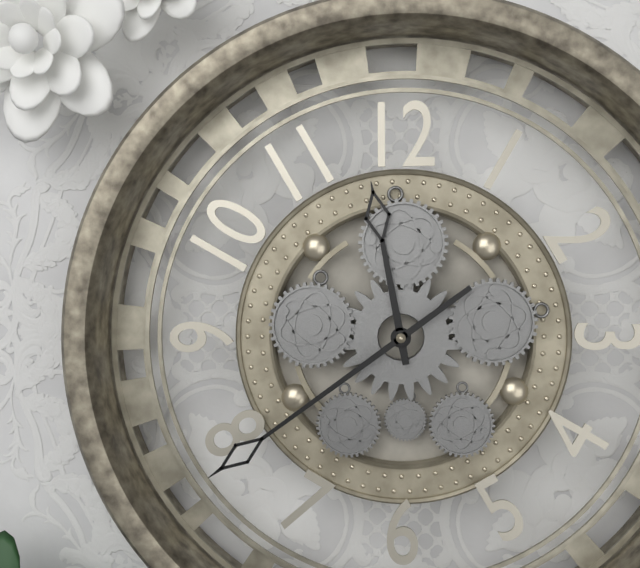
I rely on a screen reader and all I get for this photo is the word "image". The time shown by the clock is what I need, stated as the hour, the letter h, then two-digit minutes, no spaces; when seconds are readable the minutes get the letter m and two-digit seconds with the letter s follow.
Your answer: 11h39
